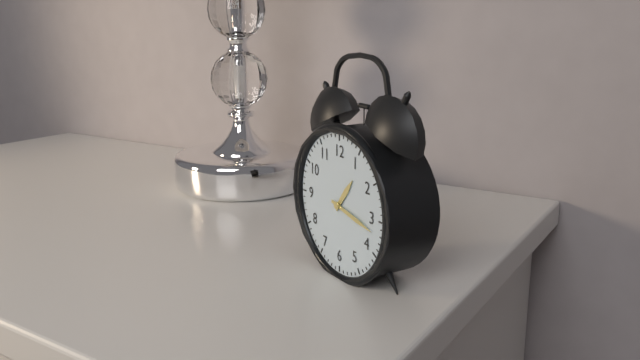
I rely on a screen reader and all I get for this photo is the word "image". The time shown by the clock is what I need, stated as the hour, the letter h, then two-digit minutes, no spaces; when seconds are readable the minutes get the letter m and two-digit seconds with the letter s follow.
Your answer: 1h17
